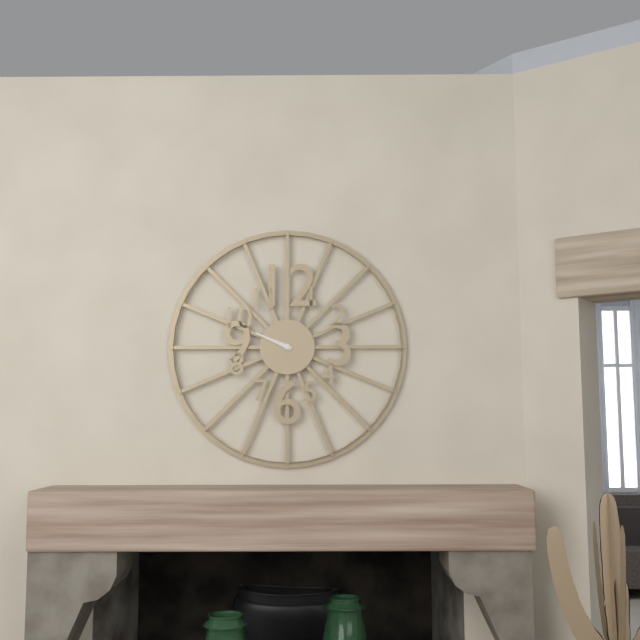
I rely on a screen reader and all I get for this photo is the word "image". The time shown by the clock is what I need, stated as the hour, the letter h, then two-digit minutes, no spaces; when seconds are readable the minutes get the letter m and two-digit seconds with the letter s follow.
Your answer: 9h49
